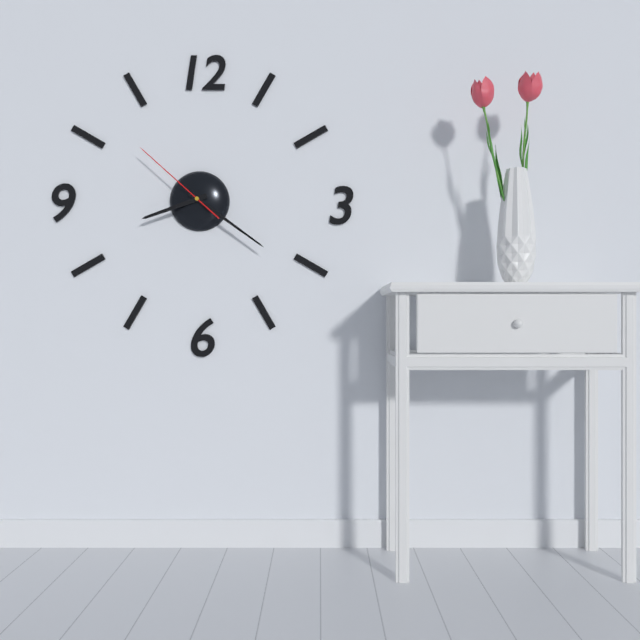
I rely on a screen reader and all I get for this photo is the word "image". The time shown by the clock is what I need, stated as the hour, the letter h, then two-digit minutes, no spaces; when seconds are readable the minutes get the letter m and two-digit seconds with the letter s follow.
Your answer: 8h21m52s
